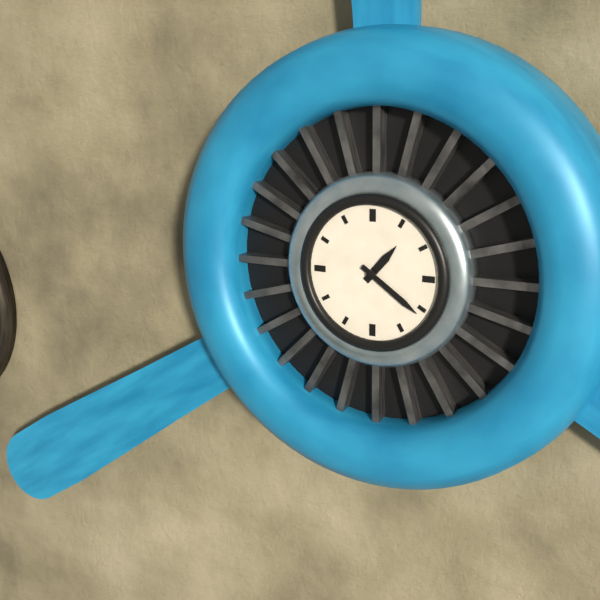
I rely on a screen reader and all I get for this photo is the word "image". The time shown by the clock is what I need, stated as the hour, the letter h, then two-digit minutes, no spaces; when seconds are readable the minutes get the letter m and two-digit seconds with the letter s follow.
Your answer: 1h21
